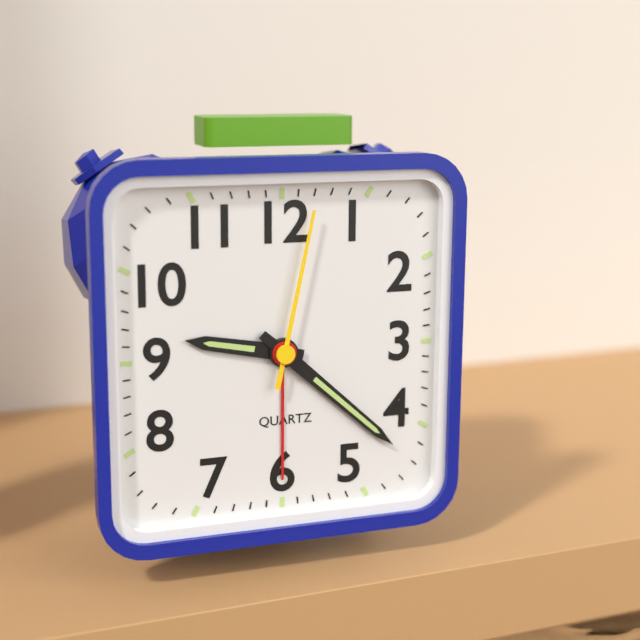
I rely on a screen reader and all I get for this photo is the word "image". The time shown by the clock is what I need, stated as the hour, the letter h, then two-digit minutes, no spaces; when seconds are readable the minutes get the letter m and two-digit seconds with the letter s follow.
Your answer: 9h22m02s
